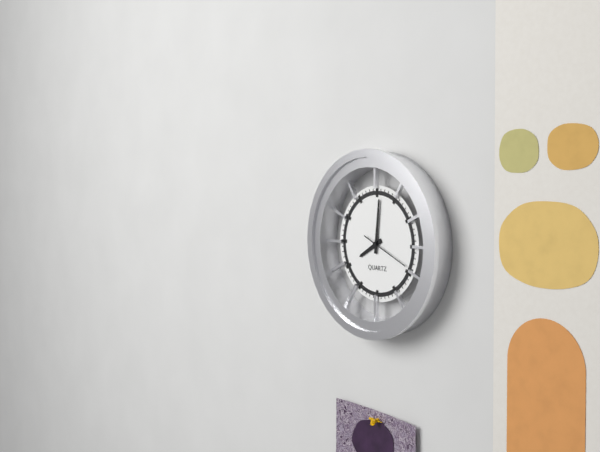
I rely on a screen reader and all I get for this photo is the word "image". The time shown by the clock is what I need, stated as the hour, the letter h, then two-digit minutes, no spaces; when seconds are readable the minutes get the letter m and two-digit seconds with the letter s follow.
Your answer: 8h01
